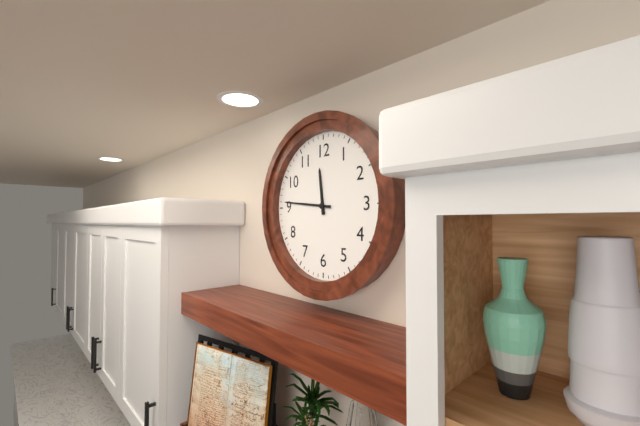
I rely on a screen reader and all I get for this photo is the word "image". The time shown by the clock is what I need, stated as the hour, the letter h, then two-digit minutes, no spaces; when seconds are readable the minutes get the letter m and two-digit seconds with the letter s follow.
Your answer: 11h46
